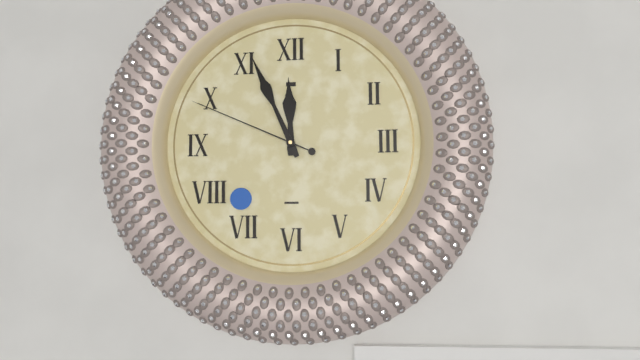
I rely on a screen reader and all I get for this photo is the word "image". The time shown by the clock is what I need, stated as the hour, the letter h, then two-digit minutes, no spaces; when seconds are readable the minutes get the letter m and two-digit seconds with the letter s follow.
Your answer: 11h56m49s
